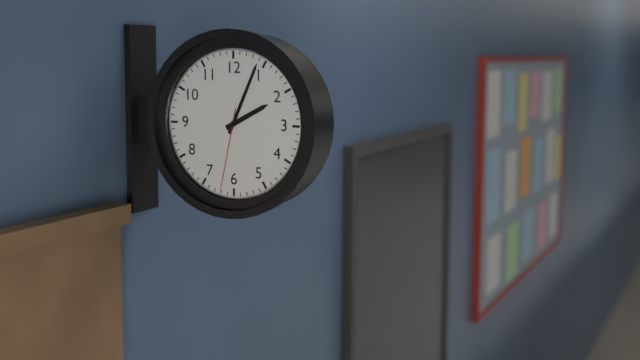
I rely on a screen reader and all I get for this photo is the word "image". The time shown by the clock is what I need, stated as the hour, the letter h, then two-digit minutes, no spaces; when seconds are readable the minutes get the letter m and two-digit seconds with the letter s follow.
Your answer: 2h04m32s
